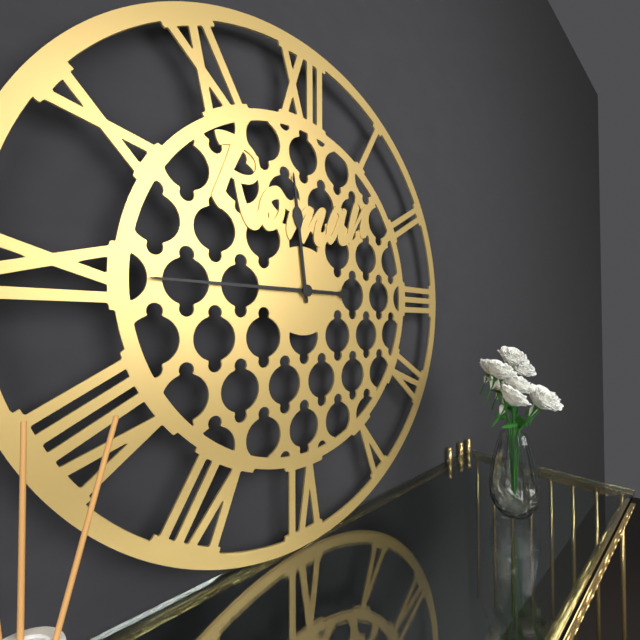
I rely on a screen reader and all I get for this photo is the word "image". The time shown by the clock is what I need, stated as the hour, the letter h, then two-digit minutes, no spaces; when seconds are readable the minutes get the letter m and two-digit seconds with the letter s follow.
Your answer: 11h45
